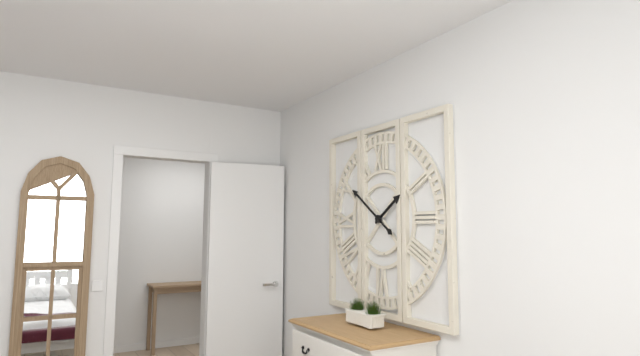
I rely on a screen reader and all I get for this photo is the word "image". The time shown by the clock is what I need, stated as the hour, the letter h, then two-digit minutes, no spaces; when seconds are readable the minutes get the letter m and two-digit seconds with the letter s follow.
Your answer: 1h51
